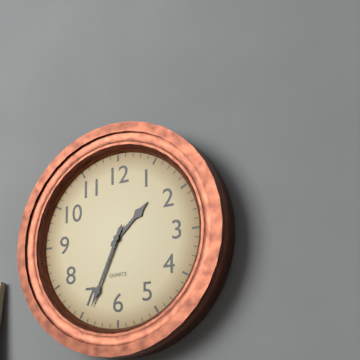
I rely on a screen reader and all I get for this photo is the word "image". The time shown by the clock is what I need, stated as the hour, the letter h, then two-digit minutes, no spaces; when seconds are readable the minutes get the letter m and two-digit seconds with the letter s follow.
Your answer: 1h34
